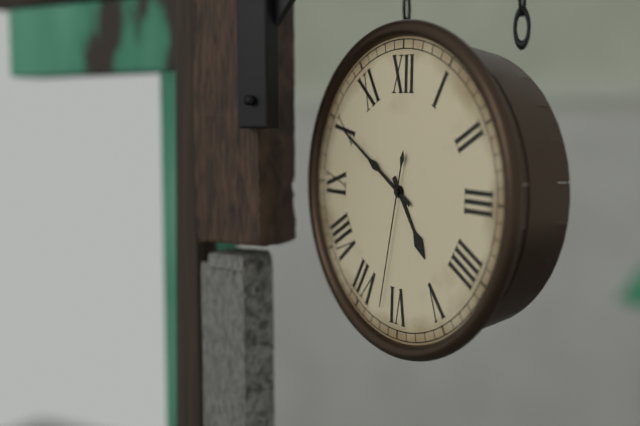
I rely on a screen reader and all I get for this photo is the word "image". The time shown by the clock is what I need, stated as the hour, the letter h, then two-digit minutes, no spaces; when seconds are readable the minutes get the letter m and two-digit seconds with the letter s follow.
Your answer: 4h50m32s
